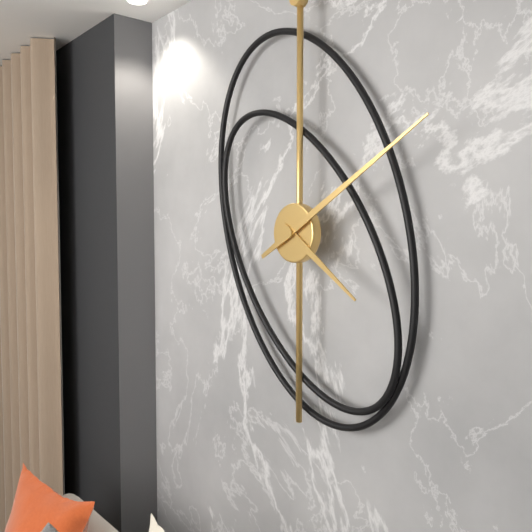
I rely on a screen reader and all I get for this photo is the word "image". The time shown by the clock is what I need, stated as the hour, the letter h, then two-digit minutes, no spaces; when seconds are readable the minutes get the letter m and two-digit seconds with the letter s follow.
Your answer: 4h10
